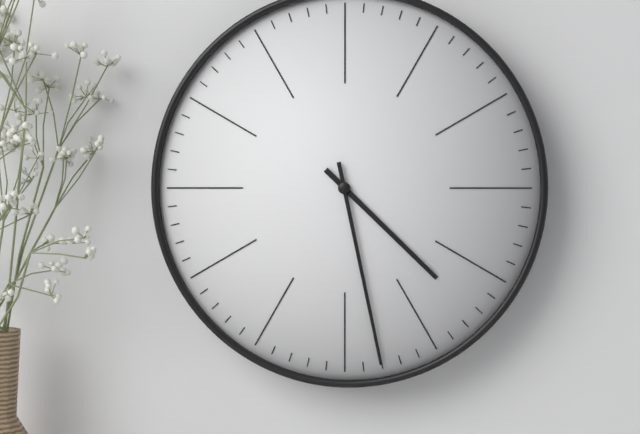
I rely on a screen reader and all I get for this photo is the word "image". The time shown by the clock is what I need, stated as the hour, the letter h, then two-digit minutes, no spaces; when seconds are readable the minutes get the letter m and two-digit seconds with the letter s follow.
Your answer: 4h28
